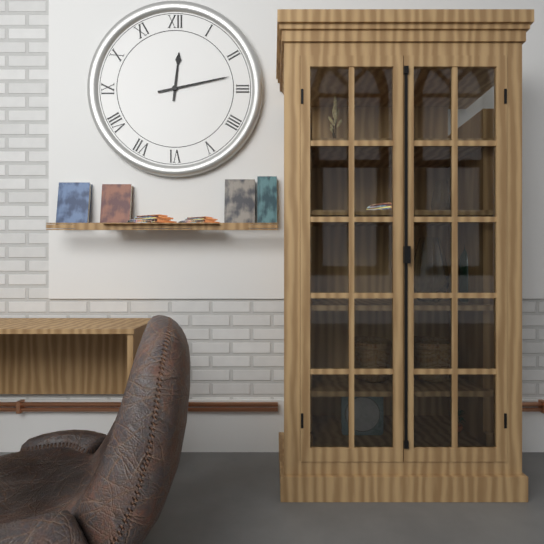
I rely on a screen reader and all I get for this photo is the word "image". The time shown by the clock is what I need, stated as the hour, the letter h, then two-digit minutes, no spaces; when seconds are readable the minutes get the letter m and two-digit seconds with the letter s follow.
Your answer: 12h13
